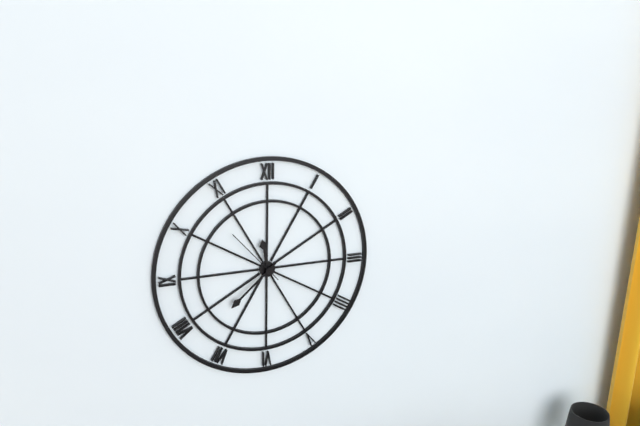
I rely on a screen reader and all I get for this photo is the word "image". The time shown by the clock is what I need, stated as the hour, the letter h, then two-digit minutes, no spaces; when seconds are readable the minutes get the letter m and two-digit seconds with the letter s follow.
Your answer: 11h38m53s
